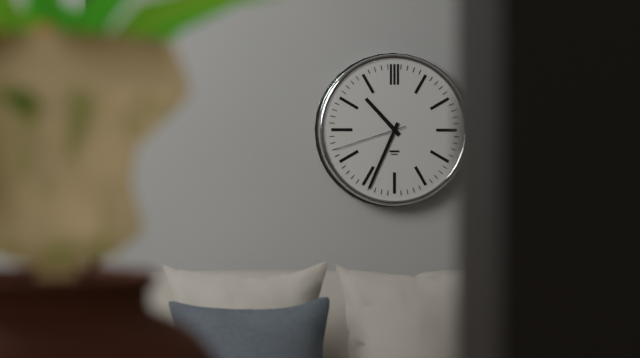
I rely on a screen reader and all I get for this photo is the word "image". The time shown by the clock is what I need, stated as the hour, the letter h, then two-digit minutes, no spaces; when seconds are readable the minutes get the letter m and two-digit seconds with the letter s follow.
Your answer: 10h34m42s
